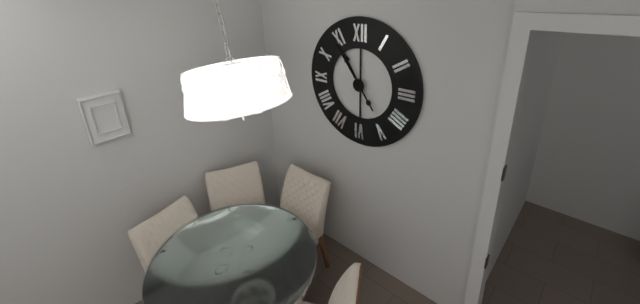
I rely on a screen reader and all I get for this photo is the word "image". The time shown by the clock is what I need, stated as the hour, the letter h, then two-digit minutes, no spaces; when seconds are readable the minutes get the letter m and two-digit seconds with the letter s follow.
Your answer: 10h54
